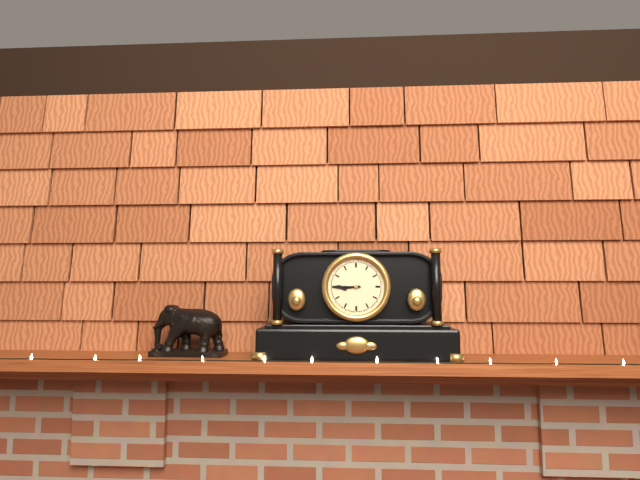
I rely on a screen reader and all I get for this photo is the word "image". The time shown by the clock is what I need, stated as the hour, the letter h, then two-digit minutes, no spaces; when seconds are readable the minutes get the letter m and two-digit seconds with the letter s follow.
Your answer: 8h45
